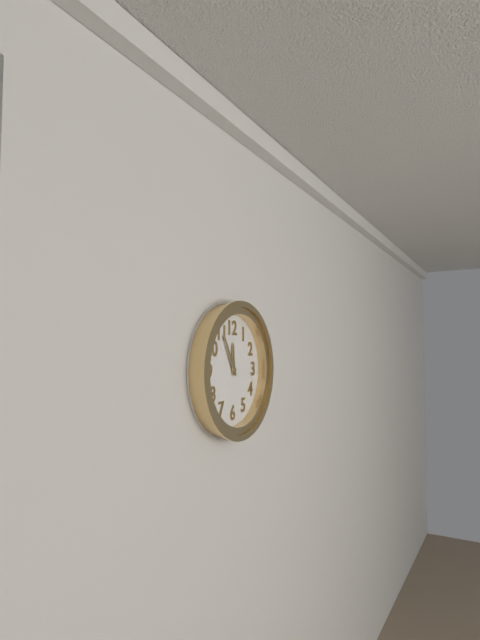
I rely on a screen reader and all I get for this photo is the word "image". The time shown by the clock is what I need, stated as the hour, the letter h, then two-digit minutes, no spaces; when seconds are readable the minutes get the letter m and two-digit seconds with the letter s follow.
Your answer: 11h55
